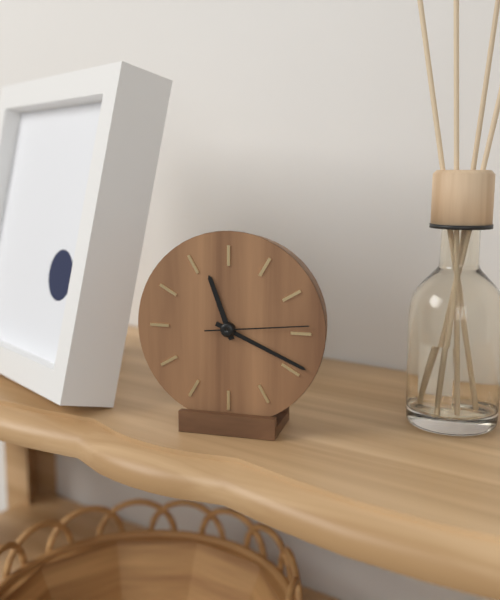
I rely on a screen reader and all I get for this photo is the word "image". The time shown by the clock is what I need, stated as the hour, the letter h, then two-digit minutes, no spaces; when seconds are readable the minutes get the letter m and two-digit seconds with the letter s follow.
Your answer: 11h19m14s
